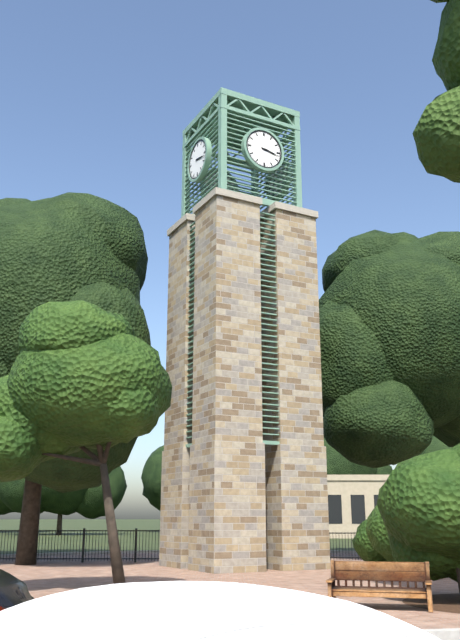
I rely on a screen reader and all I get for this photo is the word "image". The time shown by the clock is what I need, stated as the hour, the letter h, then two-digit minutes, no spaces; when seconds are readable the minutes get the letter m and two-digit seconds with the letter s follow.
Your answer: 3h17
